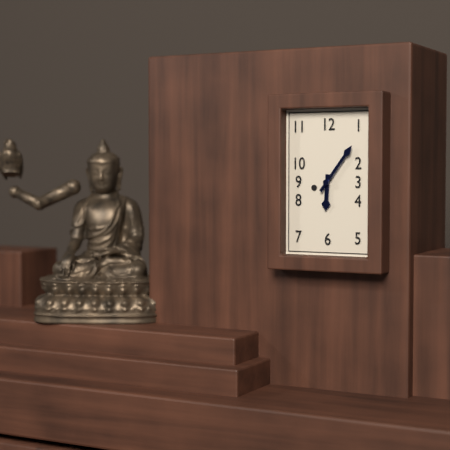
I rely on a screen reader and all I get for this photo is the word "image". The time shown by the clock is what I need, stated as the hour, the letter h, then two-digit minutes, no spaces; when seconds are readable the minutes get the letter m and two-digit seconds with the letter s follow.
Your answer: 6h06
